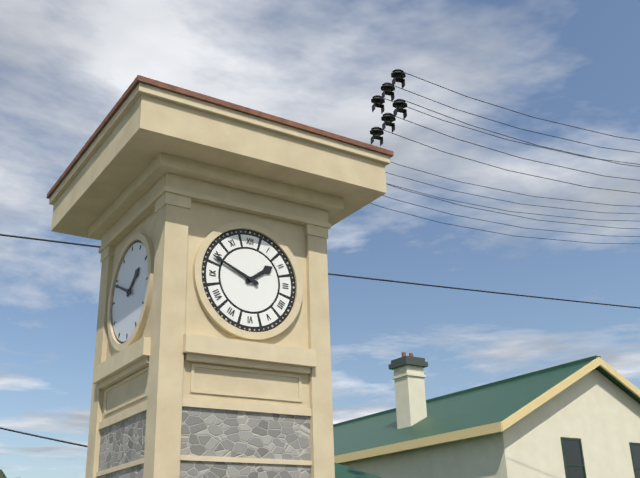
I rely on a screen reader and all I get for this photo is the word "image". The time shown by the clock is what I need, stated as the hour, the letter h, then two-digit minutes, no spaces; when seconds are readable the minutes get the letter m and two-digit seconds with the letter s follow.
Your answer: 1h49
